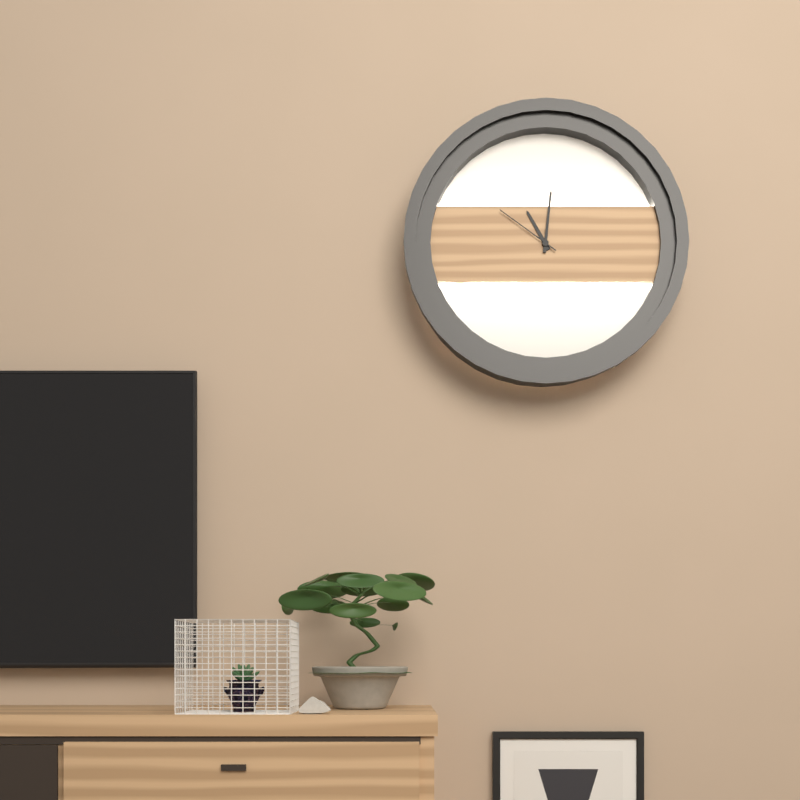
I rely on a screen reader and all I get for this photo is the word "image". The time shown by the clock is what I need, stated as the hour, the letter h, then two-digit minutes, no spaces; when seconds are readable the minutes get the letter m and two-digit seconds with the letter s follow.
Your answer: 11h01m51s
